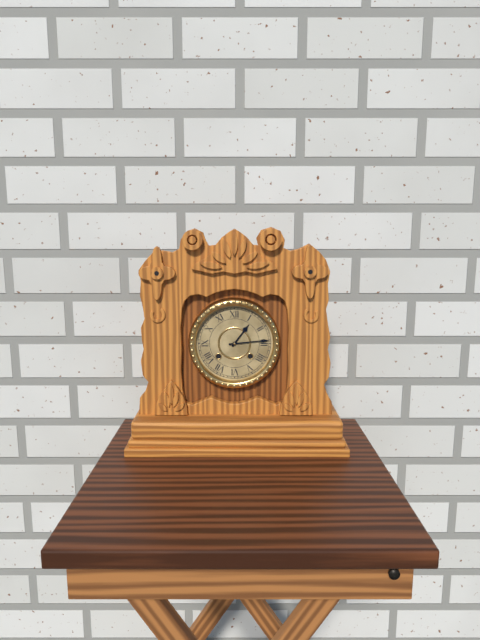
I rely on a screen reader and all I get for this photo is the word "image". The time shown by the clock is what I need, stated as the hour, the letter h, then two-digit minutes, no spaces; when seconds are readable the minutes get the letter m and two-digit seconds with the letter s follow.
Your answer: 1h14
